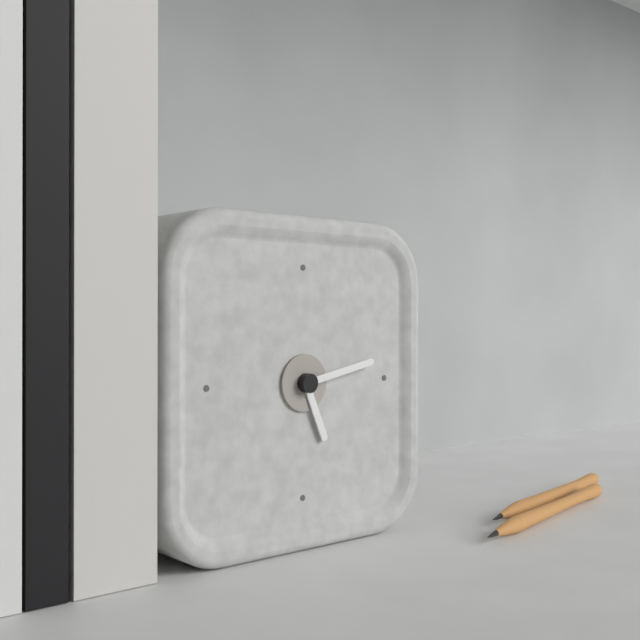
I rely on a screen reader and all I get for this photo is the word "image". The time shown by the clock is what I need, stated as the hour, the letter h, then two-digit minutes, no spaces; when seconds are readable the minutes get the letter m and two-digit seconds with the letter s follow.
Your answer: 5h13
